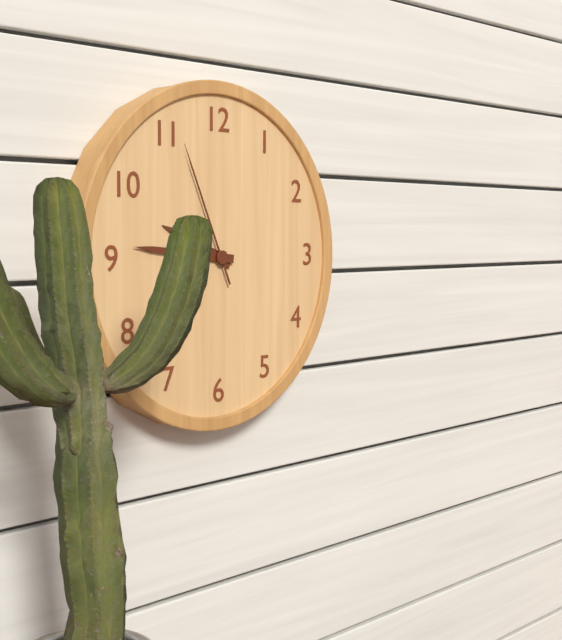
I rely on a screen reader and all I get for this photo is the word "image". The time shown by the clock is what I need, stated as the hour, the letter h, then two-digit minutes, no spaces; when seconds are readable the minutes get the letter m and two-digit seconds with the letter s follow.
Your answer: 9h46m56s
